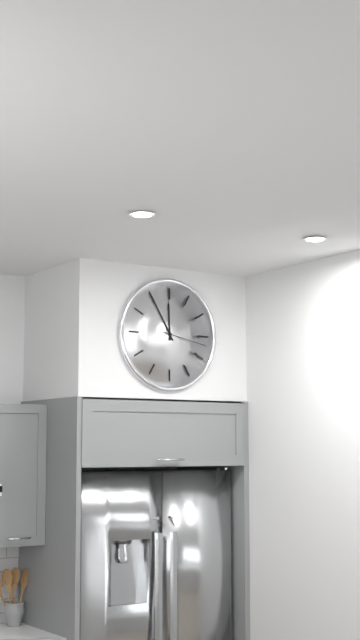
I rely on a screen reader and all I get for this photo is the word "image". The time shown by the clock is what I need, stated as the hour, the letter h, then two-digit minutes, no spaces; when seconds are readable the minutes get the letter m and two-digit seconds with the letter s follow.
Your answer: 11h55
